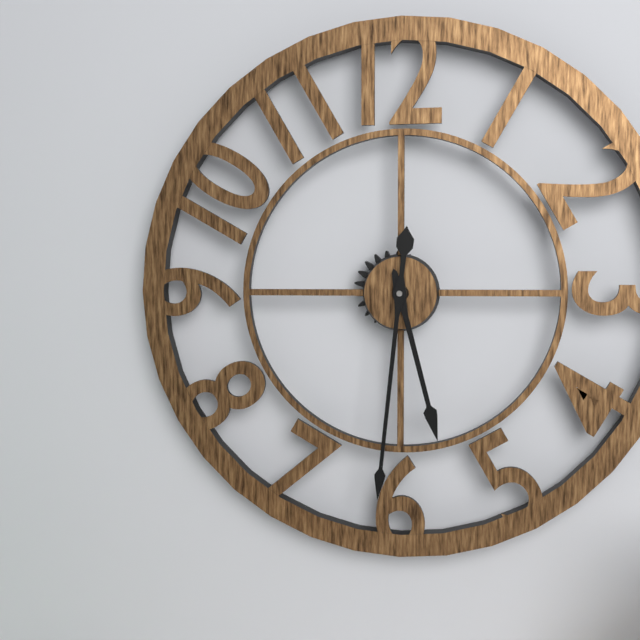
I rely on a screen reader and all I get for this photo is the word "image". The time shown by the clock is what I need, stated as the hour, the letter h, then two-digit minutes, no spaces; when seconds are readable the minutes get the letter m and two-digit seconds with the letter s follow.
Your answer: 5h31
